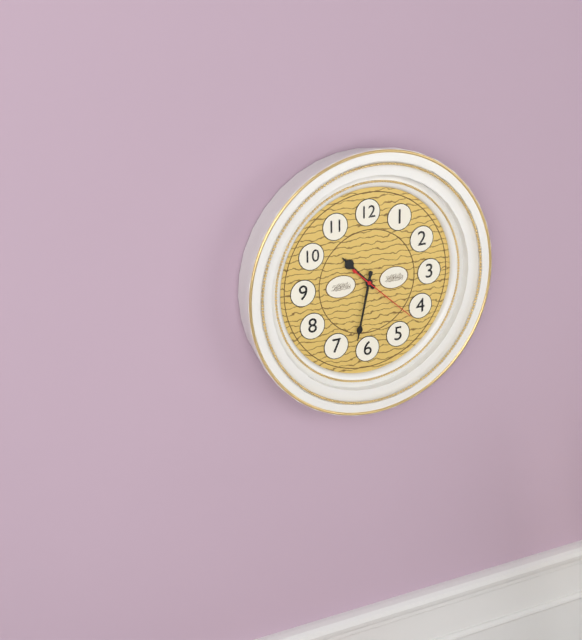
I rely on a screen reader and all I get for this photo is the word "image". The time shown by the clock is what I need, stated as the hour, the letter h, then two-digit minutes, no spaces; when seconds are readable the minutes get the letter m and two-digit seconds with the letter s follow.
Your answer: 10h32m22s
